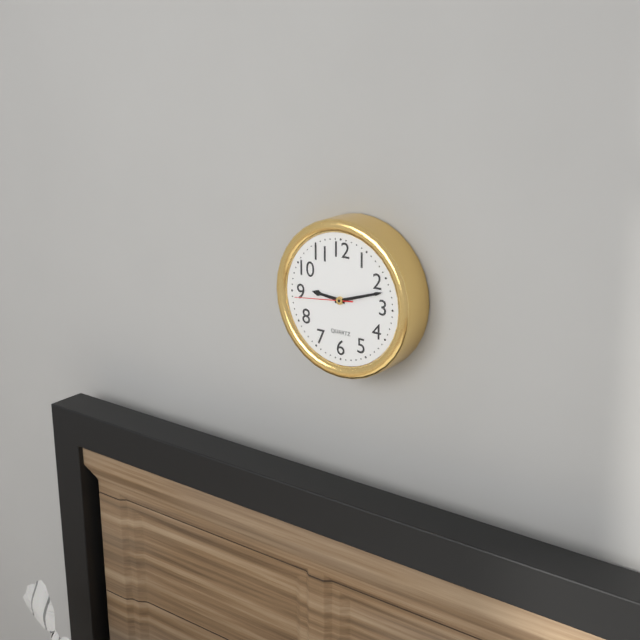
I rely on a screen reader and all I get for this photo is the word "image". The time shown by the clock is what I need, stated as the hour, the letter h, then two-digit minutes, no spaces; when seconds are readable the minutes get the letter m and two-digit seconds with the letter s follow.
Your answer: 9h12m44s
